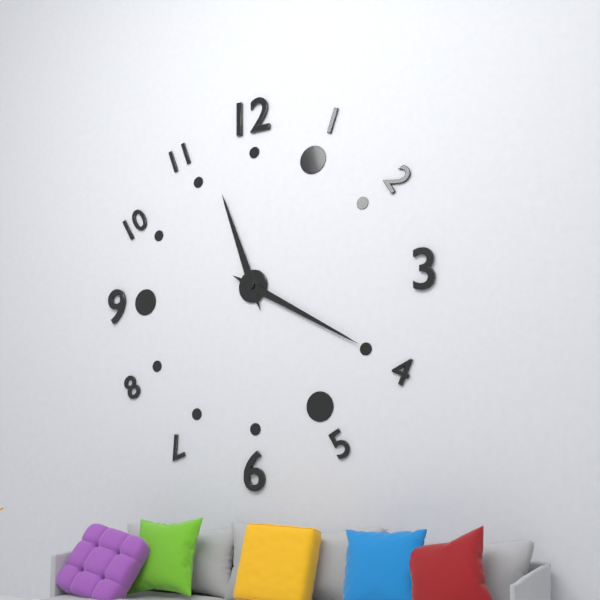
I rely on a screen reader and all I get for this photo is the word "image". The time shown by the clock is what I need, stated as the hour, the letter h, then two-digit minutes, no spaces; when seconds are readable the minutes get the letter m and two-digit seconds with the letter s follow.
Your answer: 11h20
